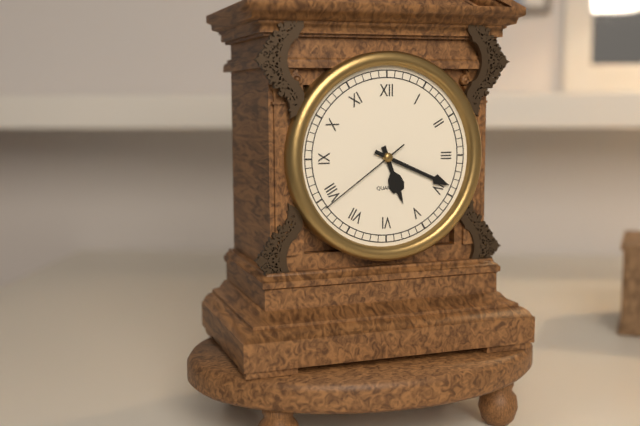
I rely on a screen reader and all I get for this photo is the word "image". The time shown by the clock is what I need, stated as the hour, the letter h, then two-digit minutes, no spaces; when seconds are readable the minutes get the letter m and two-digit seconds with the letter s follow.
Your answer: 5h19m39s
